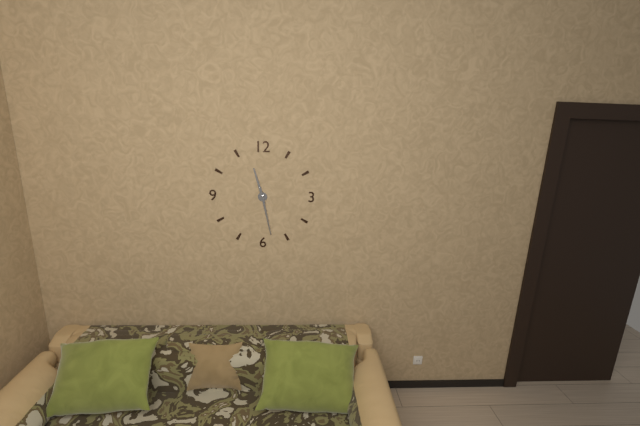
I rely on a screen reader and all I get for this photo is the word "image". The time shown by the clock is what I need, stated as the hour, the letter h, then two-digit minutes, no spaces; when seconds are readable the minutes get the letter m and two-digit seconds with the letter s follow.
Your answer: 11h28
